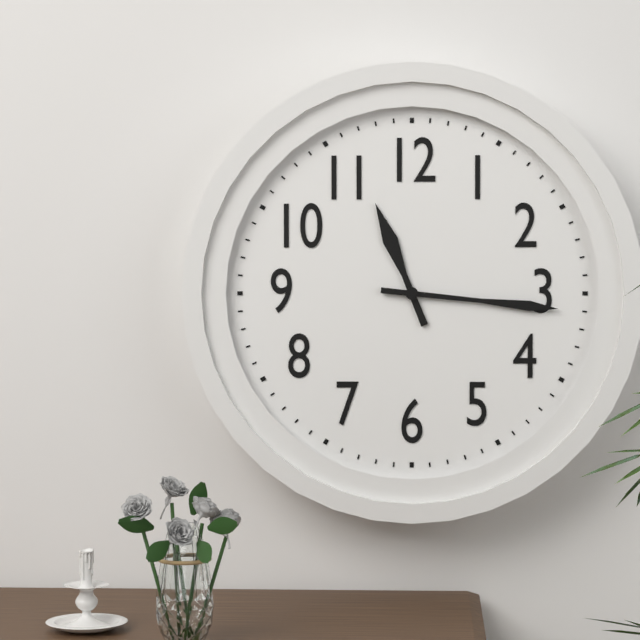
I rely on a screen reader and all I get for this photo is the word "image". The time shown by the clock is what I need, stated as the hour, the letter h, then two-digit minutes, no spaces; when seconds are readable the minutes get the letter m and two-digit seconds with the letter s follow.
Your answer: 11h16
